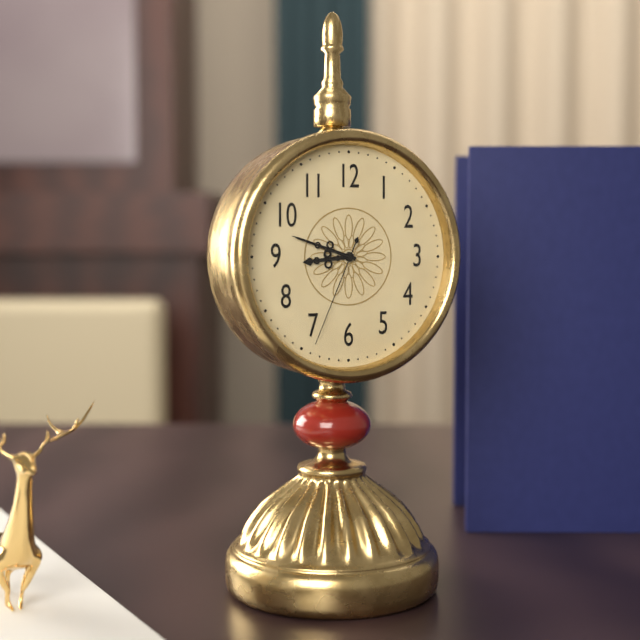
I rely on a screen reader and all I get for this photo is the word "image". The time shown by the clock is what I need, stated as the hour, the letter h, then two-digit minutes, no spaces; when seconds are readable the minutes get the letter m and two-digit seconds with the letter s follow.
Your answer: 8h48m34s
